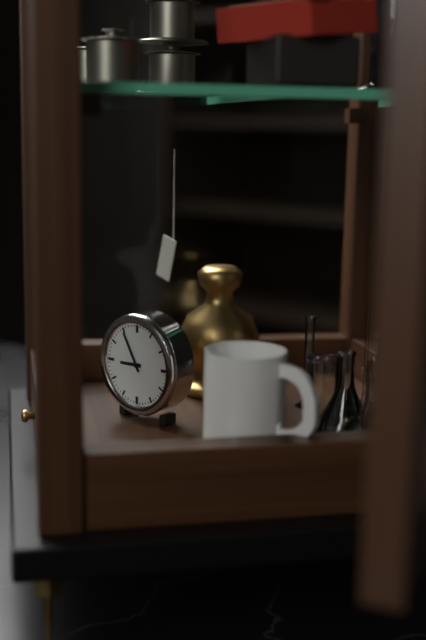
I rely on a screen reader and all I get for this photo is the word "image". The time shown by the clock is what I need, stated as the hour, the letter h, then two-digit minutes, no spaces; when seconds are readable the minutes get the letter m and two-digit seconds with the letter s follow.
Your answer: 8h55
